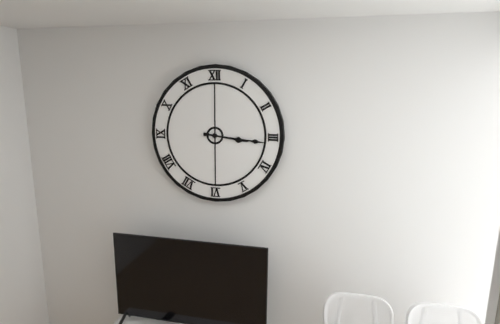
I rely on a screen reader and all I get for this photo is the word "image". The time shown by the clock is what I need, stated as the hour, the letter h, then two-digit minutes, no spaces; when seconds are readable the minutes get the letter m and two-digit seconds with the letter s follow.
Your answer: 3h16
